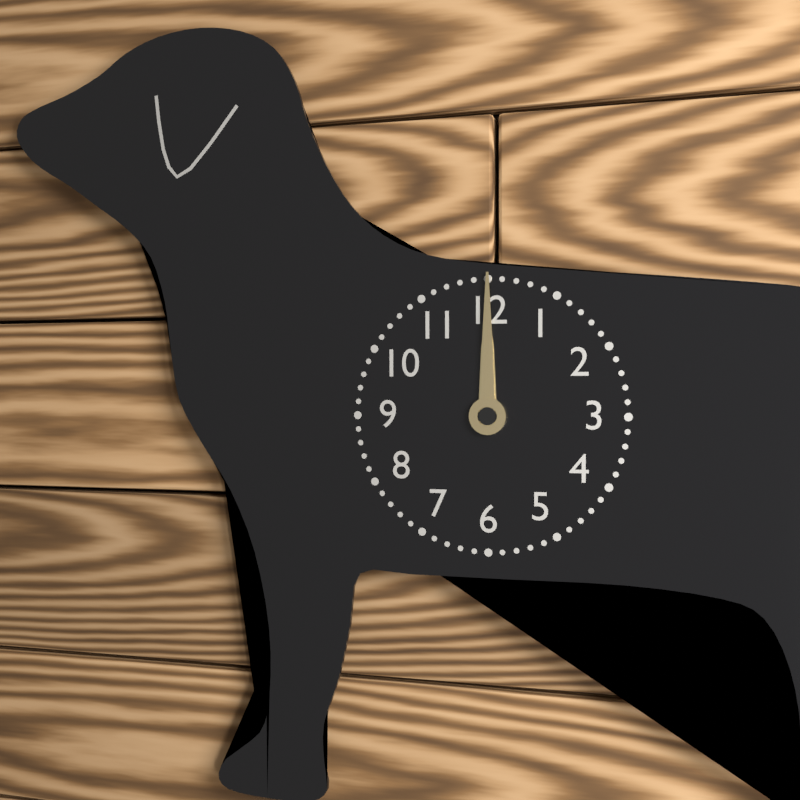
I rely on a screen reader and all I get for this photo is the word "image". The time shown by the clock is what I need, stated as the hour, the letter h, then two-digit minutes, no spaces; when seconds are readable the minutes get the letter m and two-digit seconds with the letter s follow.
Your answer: 12h00
